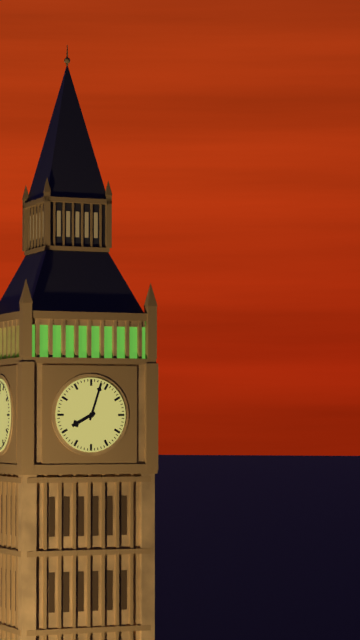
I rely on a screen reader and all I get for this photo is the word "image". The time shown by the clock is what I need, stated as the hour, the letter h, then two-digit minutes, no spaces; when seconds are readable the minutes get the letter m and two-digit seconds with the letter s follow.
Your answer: 8h03
